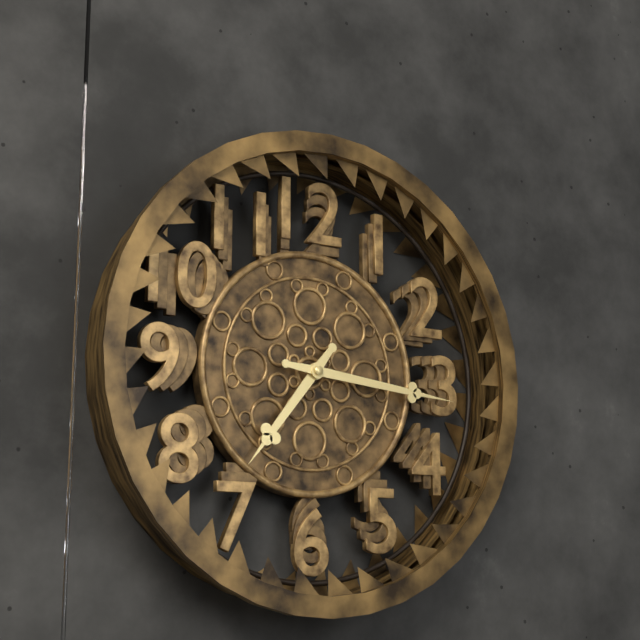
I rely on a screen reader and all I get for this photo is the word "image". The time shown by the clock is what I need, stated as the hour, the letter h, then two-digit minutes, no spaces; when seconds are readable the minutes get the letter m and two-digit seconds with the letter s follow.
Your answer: 7h16
